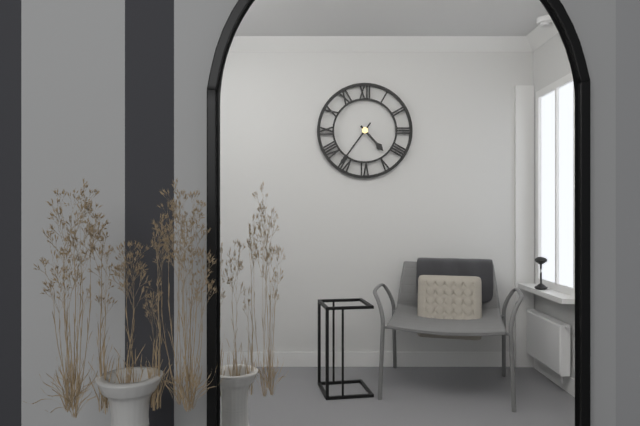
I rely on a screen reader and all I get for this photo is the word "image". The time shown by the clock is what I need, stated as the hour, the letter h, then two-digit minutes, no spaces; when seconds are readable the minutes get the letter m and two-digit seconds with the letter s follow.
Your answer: 4h36
